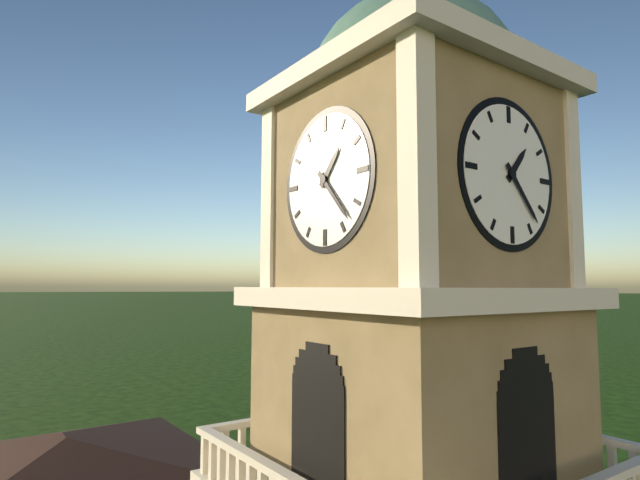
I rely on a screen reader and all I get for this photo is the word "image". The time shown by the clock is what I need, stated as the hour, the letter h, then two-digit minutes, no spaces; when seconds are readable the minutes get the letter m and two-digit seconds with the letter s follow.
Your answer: 1h23
